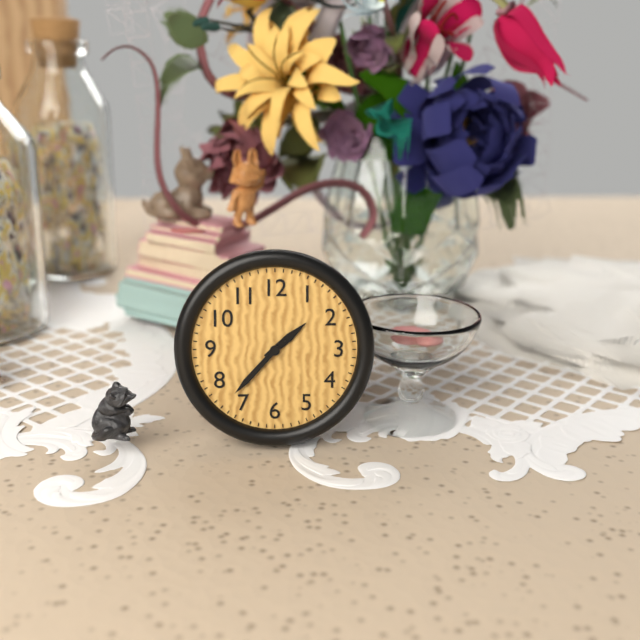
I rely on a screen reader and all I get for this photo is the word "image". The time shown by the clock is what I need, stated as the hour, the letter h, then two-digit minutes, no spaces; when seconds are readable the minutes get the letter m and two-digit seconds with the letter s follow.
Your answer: 1h37
